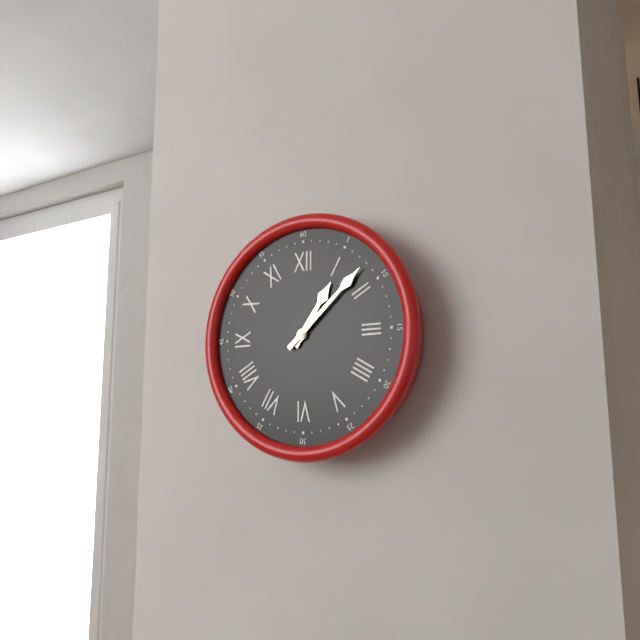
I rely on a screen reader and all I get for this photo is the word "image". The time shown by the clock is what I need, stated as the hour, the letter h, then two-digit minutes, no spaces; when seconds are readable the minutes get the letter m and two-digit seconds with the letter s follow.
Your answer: 1h08
